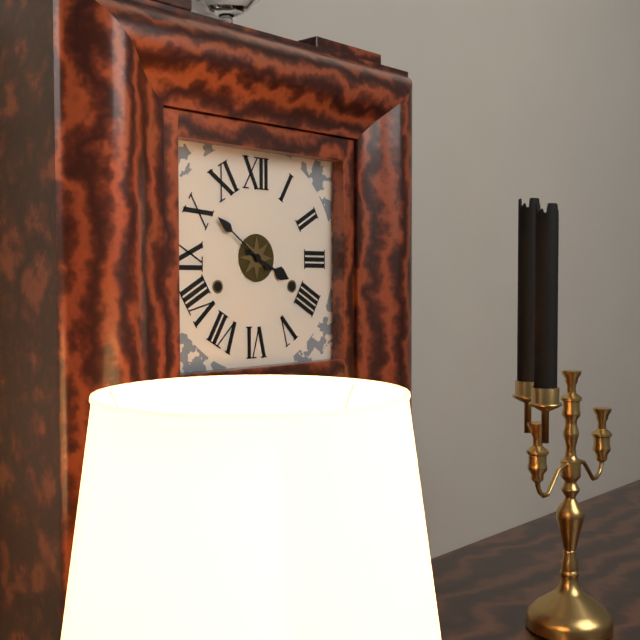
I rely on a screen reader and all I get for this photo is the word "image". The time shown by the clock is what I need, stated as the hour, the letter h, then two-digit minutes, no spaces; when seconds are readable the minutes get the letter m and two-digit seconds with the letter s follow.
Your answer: 3h51
